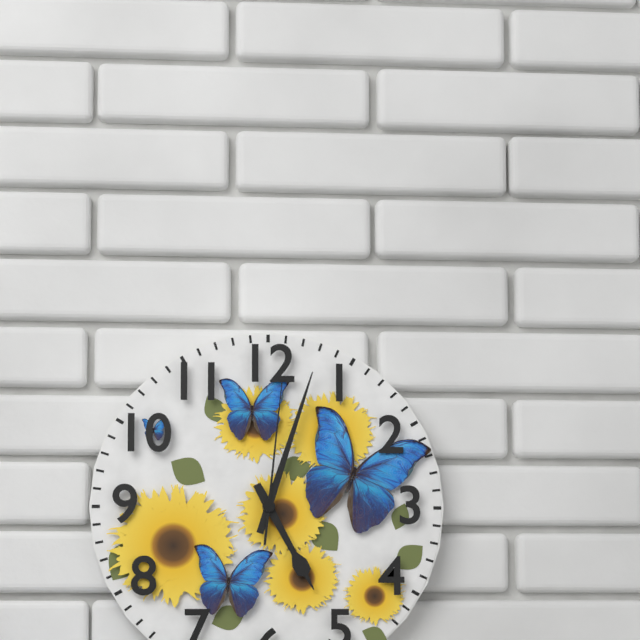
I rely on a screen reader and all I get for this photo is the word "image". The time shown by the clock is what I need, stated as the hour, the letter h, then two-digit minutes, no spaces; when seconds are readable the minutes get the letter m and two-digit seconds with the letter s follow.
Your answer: 5h03m01s
